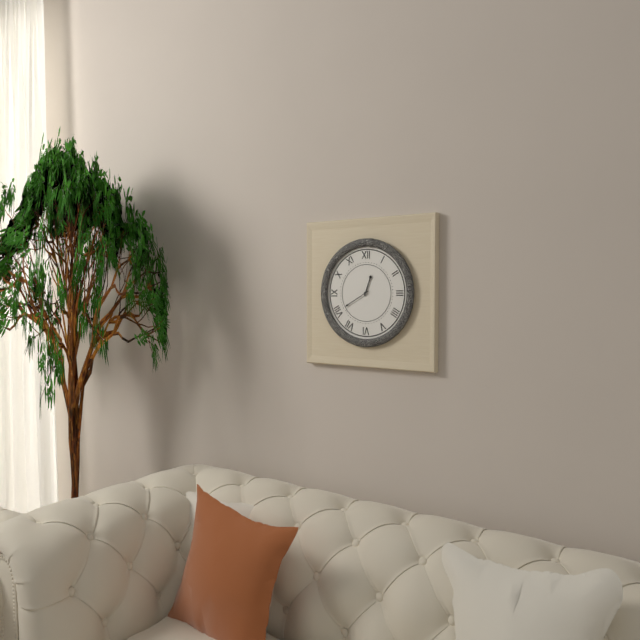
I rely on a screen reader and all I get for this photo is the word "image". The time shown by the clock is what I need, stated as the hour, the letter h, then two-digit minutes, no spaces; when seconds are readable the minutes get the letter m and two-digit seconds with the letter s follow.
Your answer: 12h40
